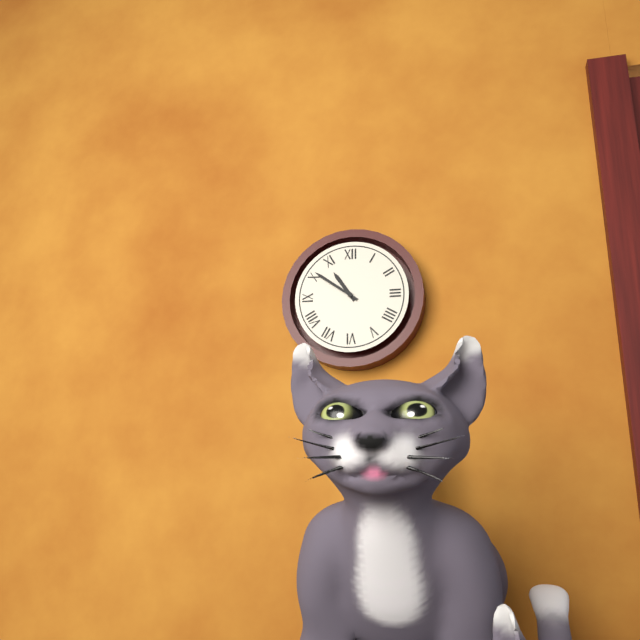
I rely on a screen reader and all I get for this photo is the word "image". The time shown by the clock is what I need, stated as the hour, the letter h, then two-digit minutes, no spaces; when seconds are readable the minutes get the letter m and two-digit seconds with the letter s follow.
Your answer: 10h51
